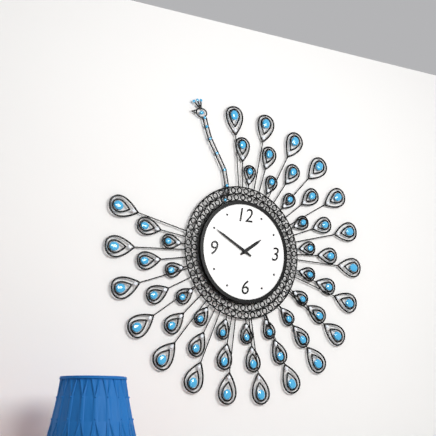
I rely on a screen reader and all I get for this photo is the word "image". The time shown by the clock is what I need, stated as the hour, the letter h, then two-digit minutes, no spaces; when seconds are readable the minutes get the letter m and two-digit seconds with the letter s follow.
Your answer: 1h50
